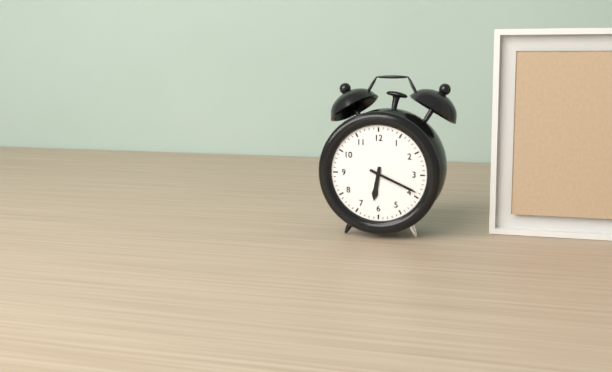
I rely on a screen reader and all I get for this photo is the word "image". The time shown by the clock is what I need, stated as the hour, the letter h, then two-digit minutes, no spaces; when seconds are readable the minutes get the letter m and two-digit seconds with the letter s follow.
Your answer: 6h19
